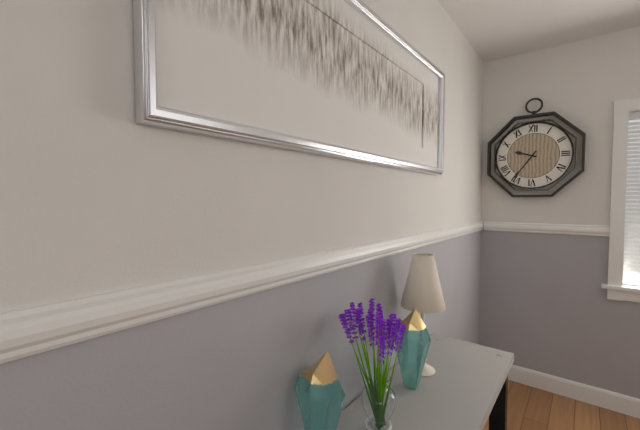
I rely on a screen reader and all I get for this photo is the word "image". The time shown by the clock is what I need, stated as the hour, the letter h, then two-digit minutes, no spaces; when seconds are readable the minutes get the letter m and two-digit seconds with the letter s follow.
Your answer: 9h36
